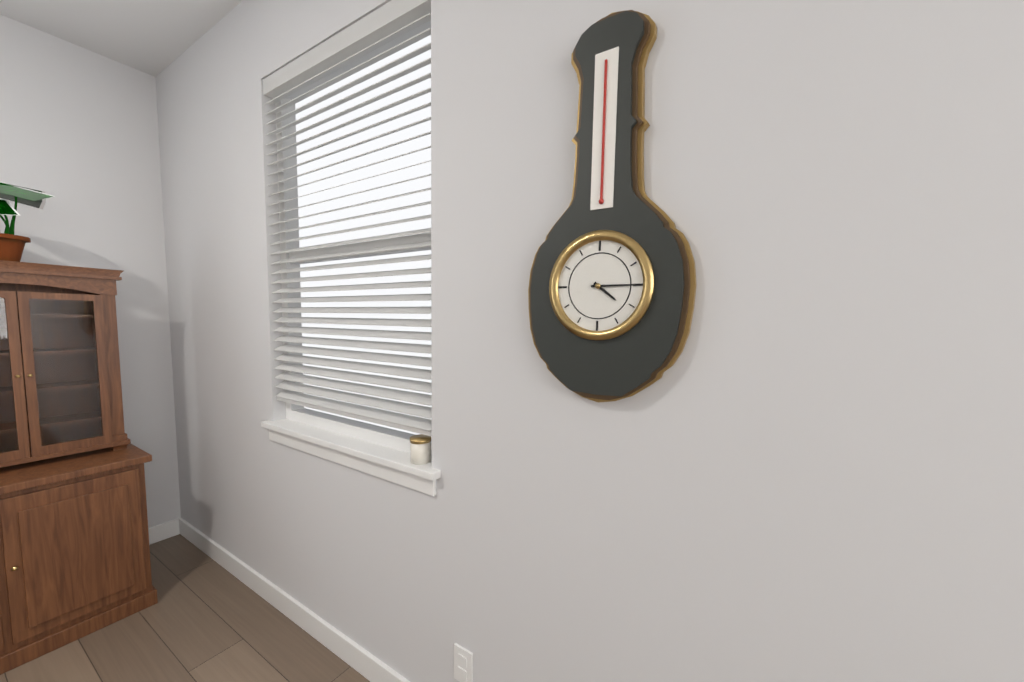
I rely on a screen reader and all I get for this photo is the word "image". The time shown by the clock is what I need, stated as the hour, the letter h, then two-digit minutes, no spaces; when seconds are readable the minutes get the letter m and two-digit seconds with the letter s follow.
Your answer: 4h15
